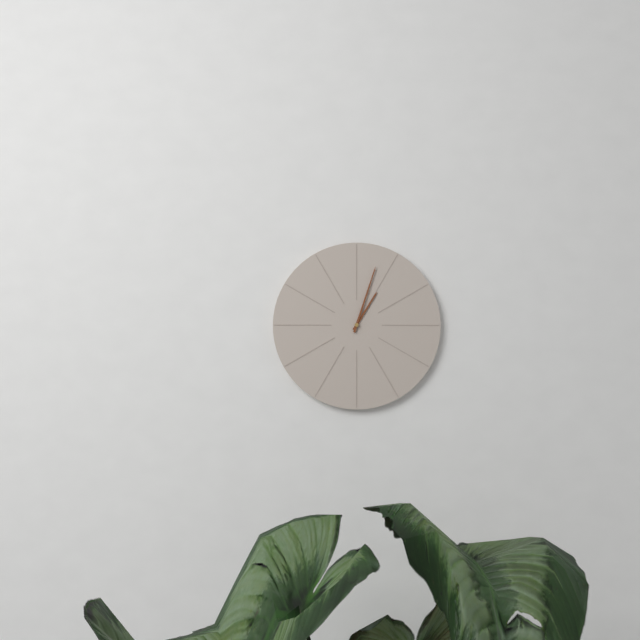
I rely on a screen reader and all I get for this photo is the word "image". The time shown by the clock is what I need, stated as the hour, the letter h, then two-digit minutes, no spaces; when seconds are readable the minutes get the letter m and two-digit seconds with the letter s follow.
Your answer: 1h03
